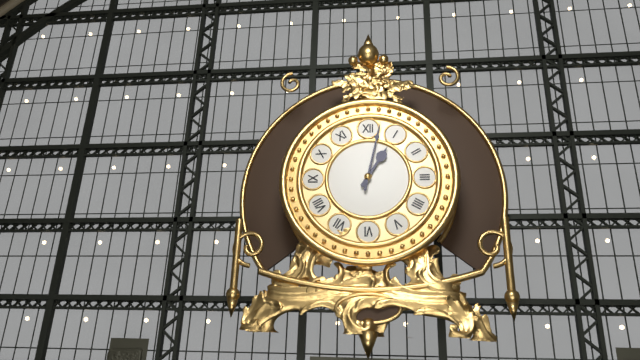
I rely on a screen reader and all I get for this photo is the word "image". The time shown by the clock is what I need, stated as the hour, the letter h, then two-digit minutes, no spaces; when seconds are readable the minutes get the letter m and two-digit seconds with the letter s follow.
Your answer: 1h02
